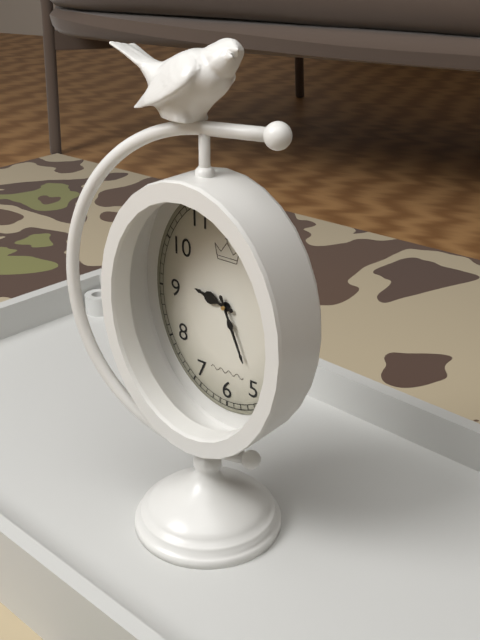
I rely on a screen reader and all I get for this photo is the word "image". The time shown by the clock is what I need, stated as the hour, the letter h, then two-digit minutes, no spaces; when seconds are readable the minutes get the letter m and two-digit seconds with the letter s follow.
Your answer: 9h26
